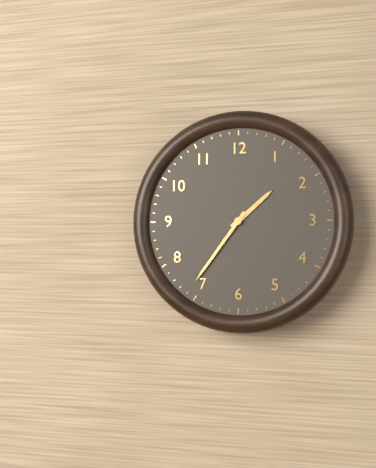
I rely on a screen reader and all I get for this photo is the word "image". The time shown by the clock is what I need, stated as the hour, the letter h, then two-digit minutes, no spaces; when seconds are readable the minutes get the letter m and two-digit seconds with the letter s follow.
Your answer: 1h36
